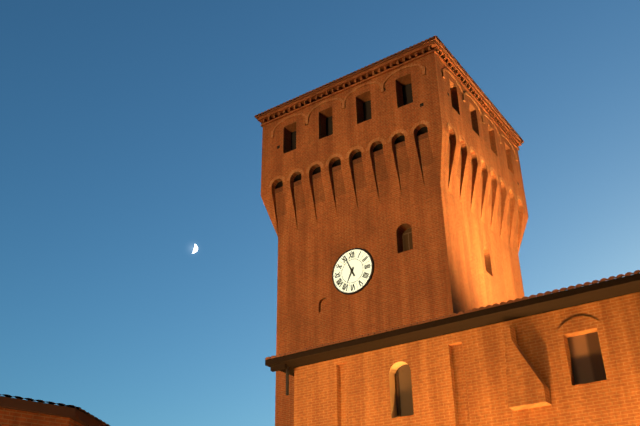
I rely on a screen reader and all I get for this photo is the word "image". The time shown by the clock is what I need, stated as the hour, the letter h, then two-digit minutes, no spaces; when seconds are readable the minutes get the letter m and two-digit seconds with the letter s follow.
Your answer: 6h56
